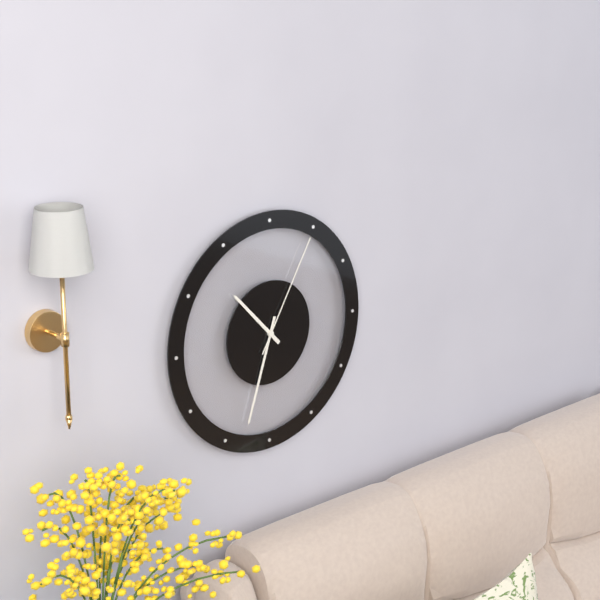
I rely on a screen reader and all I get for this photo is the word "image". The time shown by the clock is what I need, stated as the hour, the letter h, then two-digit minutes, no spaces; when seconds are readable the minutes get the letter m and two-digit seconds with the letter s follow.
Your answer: 10h33m05s
